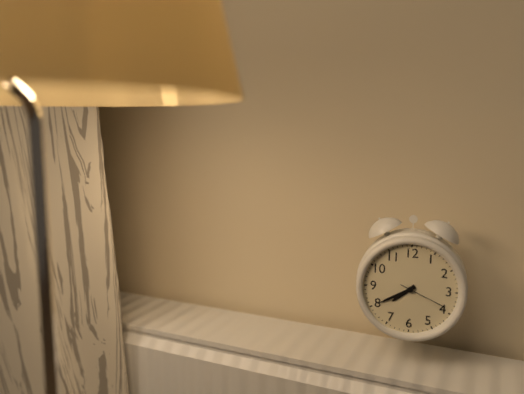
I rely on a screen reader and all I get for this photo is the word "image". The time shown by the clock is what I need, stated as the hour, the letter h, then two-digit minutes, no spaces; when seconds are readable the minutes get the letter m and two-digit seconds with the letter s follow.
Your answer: 7h40
